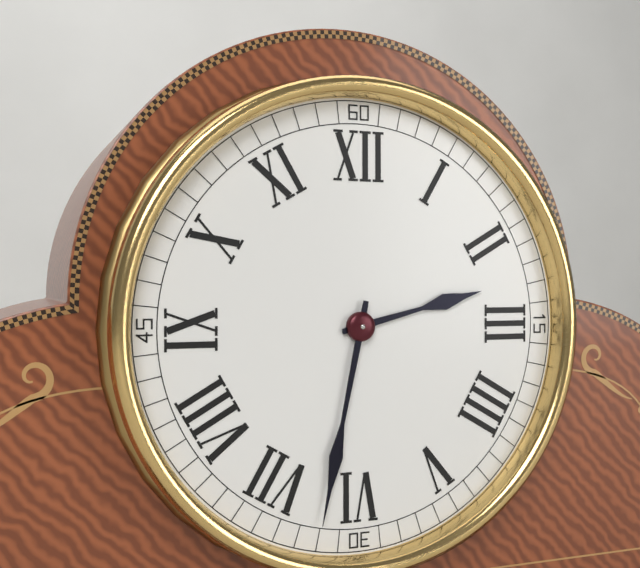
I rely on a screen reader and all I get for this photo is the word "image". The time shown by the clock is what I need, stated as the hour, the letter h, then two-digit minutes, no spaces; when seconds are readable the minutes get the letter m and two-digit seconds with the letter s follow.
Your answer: 2h32
